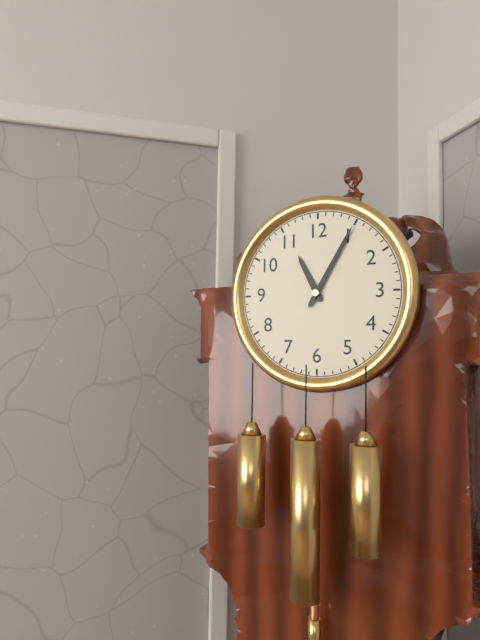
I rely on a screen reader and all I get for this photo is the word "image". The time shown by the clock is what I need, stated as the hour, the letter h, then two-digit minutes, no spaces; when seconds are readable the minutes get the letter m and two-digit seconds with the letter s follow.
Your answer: 11h05
